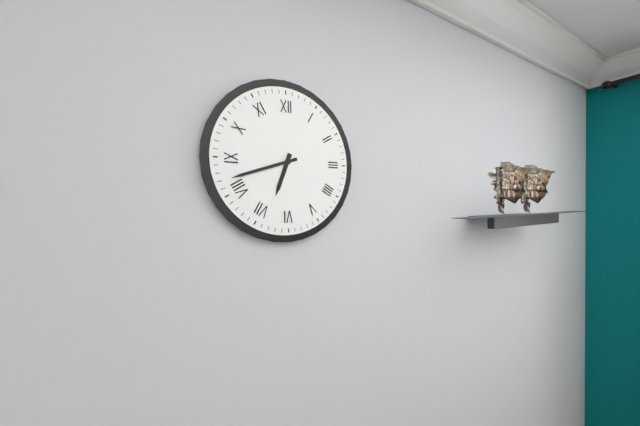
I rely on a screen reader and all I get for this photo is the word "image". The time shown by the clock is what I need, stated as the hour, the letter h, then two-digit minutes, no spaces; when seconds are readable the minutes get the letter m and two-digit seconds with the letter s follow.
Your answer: 6h42
